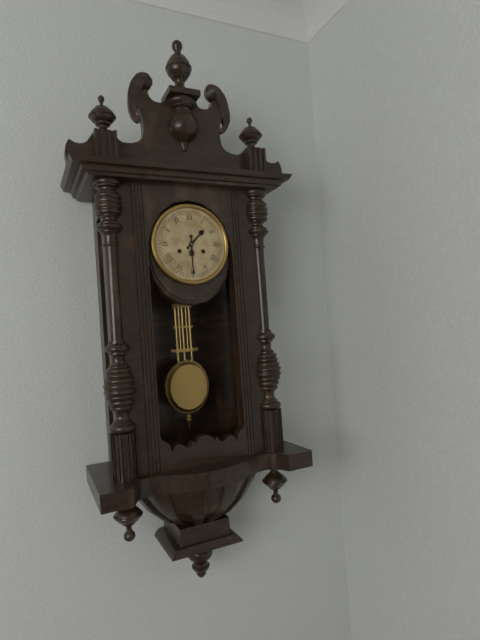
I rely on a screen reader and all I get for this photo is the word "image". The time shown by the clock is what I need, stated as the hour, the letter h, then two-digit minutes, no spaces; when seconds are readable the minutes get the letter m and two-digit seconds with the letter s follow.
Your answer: 1h30
